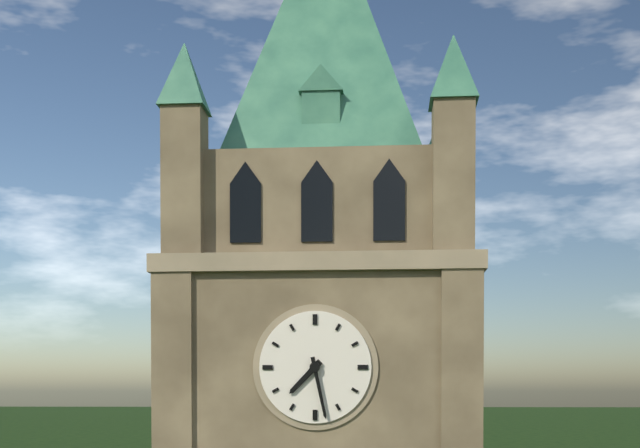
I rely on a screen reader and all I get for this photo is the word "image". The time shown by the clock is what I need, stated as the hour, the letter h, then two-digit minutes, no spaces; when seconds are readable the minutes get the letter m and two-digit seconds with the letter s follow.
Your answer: 7h28
